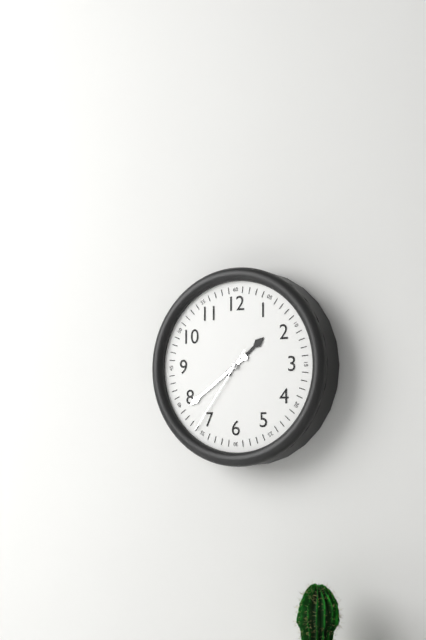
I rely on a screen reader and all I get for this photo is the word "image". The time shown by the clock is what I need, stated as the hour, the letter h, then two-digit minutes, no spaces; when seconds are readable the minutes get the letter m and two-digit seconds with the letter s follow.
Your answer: 1h39m36s
